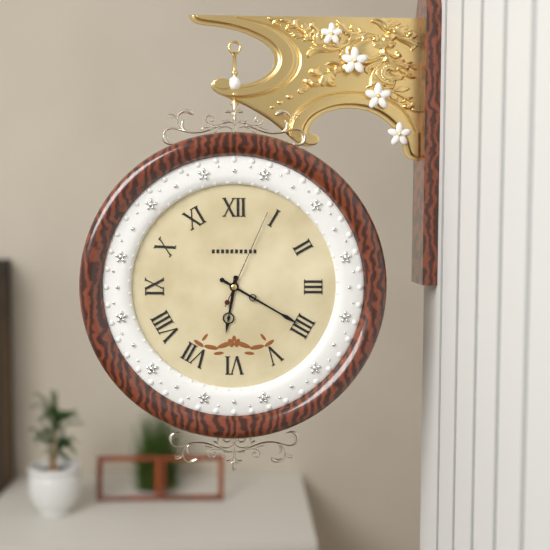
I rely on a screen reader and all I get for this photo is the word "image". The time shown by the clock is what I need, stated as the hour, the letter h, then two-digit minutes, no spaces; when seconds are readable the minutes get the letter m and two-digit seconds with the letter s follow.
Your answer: 6h20m04s
